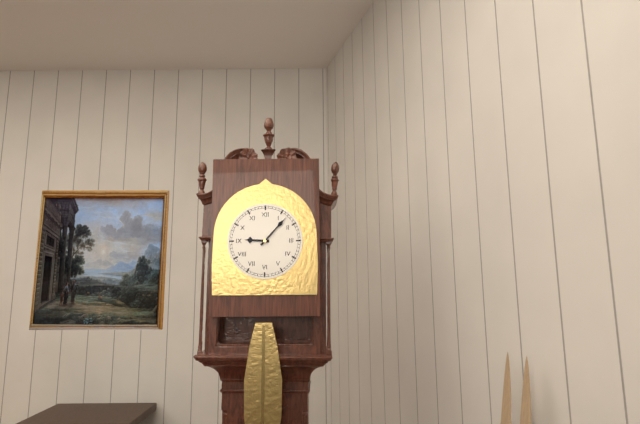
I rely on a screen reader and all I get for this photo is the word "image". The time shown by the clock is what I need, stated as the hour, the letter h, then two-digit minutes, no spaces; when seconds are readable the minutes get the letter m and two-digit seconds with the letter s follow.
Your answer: 9h07
